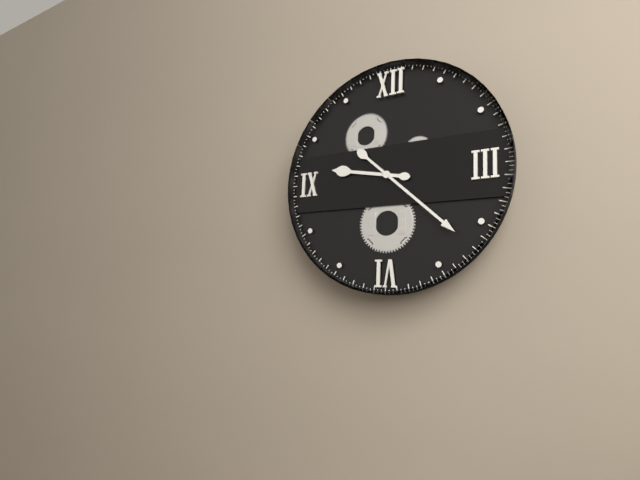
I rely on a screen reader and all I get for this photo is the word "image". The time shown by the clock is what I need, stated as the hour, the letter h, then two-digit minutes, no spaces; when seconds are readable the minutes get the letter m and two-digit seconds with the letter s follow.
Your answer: 9h22
